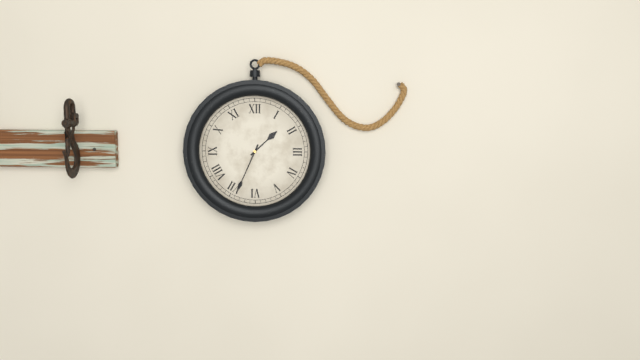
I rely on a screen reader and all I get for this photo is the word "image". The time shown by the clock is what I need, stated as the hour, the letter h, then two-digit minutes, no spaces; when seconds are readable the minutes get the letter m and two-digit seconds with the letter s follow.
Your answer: 1h34
